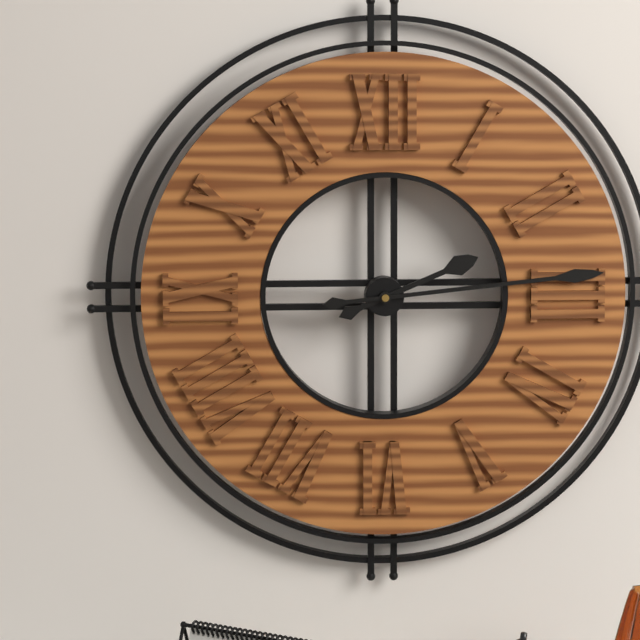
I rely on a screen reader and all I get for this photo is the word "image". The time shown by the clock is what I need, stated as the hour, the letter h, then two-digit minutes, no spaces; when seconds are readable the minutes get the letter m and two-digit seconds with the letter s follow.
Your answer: 2h14
